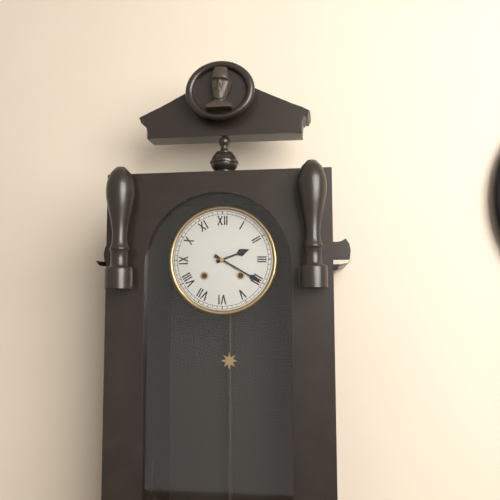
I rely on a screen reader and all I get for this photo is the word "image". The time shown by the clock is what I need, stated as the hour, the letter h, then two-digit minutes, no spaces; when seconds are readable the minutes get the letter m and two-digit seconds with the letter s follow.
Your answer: 2h20
